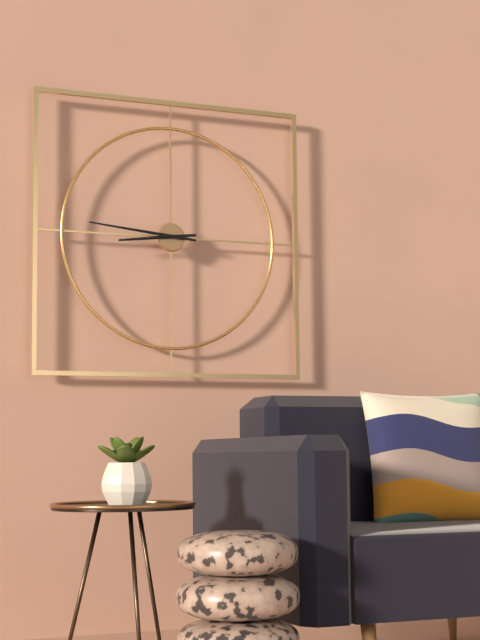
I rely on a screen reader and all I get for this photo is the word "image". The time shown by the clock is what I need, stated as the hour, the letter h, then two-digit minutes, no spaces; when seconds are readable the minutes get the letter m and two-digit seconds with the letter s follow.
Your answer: 8h46
